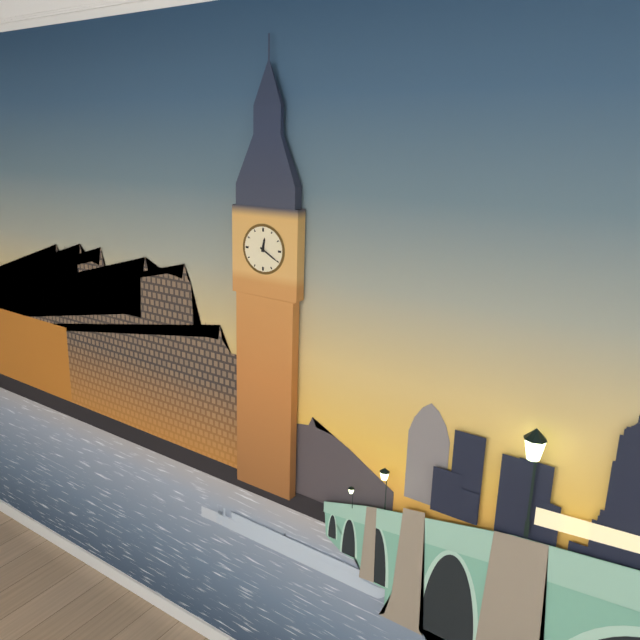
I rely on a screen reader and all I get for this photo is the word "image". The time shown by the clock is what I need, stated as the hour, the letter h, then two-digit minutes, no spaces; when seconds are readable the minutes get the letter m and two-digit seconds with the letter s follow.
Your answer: 12h20
